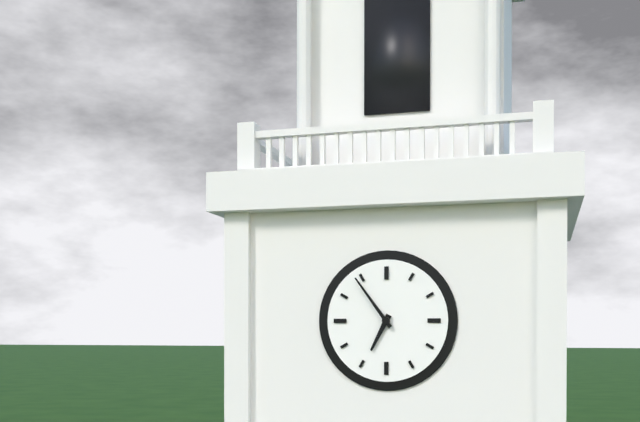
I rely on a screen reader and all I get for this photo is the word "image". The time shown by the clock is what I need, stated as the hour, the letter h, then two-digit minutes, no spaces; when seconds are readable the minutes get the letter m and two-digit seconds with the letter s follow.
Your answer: 6h54
